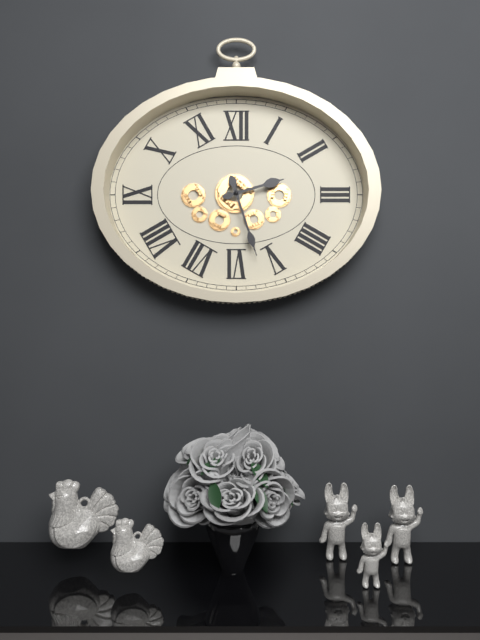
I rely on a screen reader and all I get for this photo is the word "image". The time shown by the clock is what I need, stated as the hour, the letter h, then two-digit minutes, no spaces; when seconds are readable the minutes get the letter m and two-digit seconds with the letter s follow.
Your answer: 2h27
